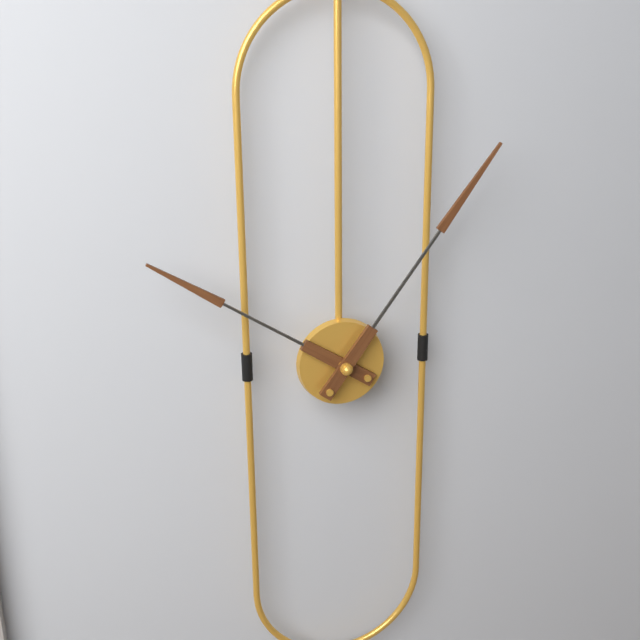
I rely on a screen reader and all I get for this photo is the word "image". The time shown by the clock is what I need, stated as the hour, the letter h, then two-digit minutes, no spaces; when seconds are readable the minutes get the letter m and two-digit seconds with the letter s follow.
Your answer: 10h06
